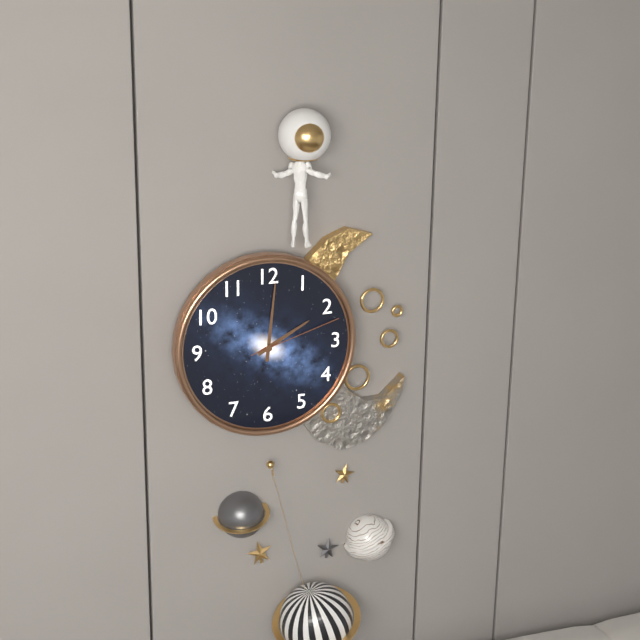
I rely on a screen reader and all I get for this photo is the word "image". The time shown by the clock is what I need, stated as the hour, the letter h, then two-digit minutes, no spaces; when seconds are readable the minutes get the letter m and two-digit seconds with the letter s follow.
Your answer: 2h01m12s
